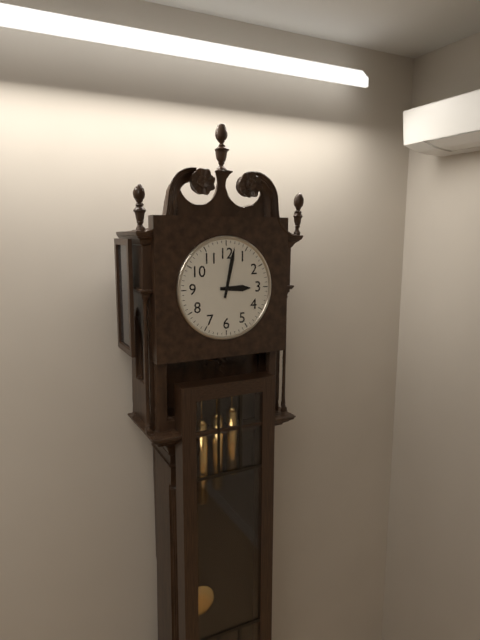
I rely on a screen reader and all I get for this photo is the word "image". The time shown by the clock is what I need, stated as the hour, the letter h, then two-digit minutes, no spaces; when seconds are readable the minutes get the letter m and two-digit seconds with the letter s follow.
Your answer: 3h02
